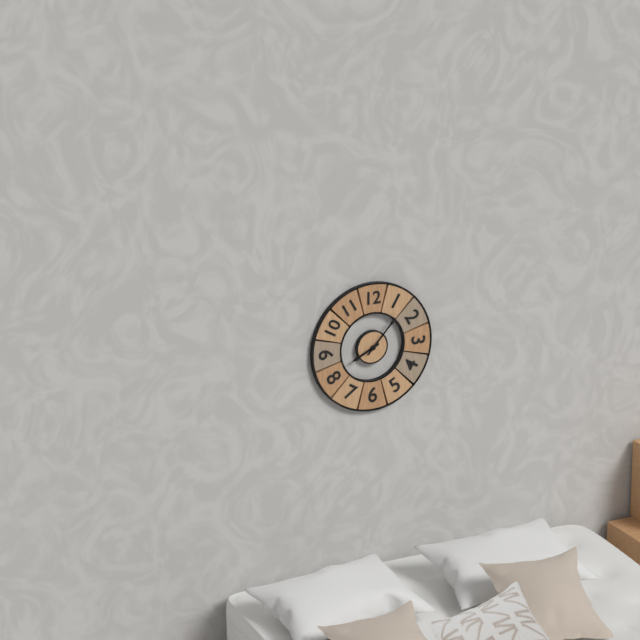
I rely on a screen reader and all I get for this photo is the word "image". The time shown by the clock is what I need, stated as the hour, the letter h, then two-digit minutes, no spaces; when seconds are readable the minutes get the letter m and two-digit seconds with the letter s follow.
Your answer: 8h07
